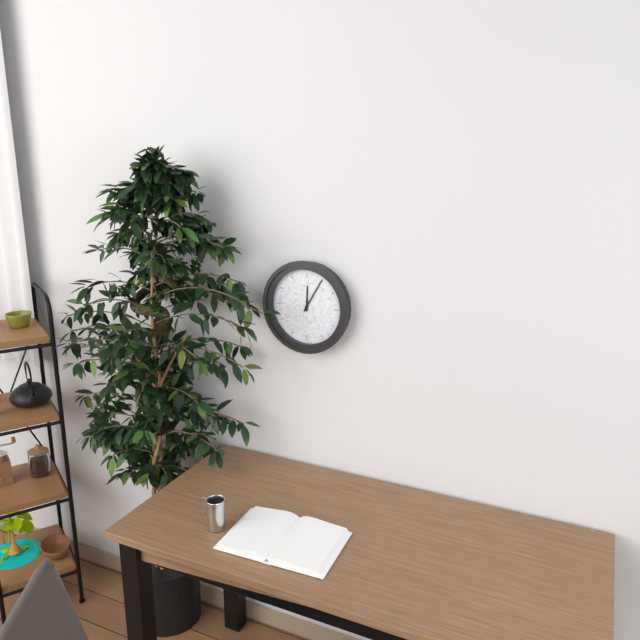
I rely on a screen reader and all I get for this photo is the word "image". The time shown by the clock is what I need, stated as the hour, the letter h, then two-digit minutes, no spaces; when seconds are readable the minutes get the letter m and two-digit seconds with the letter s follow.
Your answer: 12h05
